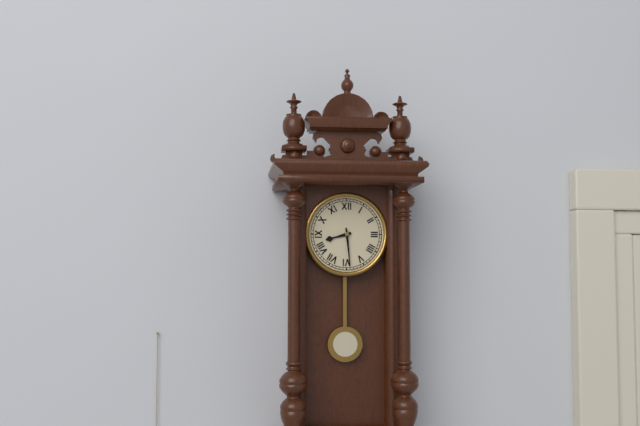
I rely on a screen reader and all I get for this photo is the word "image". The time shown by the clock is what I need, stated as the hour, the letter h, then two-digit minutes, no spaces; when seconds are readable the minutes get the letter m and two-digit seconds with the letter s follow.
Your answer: 8h29
